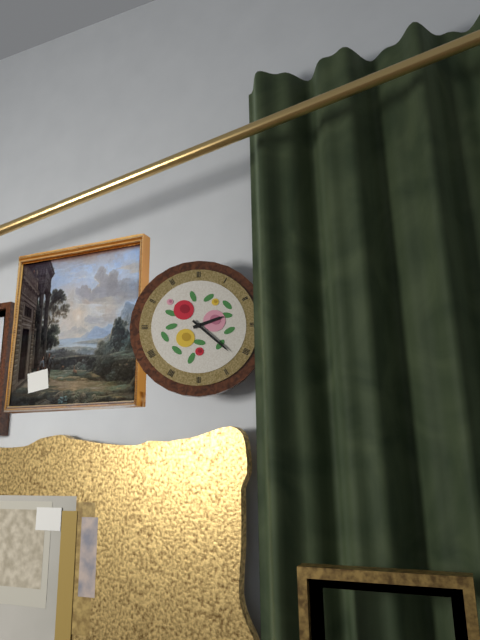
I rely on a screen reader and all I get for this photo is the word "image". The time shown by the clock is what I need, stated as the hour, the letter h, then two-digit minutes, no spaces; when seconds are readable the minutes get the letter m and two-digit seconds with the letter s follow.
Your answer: 2h22
